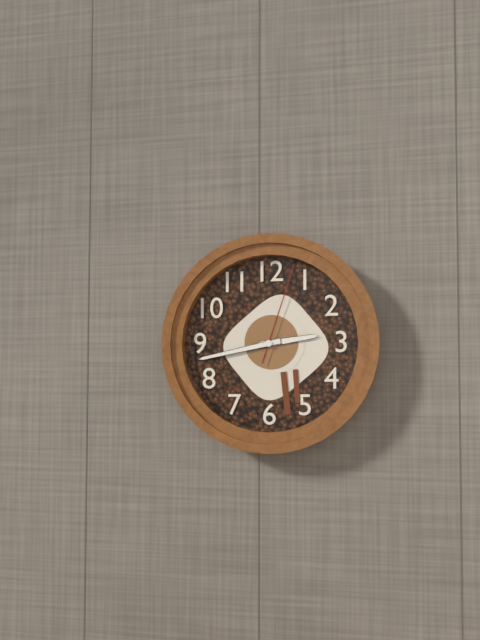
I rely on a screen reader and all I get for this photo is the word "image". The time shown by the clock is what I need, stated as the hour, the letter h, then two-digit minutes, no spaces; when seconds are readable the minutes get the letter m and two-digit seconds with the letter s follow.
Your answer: 2h43m03s
